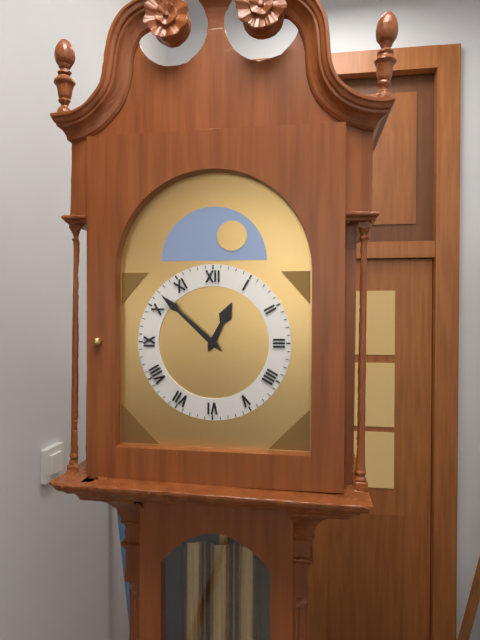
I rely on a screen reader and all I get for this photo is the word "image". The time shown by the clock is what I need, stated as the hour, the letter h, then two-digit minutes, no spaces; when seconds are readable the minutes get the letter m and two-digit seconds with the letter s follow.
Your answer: 12h52
